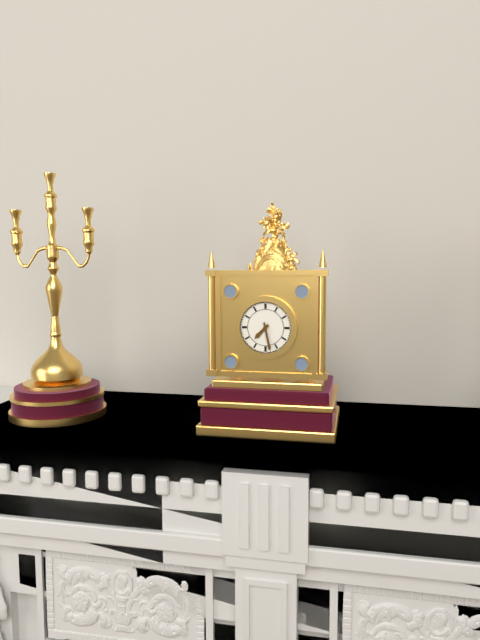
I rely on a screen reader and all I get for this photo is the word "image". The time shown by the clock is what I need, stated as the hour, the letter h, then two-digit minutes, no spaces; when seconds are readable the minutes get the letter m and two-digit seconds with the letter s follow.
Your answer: 7h28
